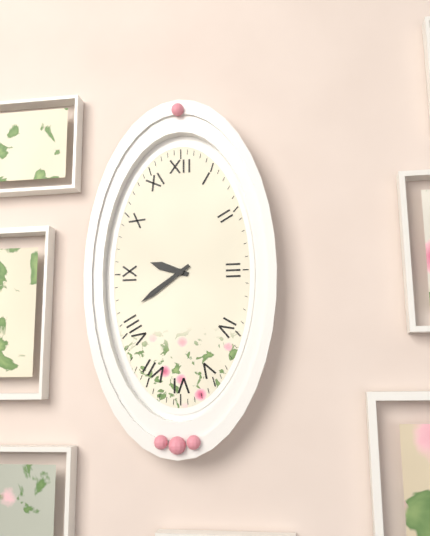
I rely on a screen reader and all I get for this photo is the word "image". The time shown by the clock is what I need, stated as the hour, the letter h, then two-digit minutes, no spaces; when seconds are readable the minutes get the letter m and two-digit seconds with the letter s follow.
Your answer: 9h39
